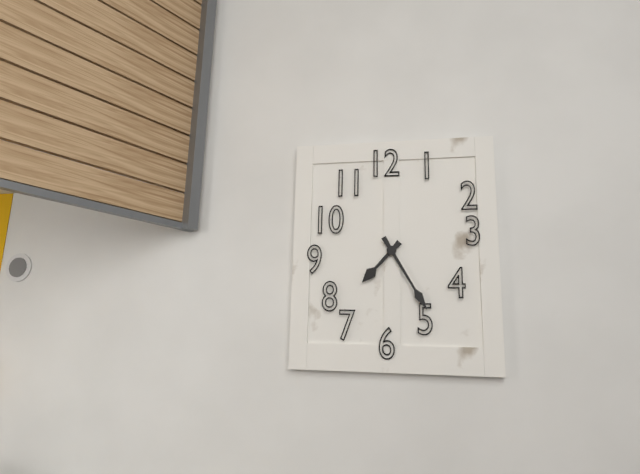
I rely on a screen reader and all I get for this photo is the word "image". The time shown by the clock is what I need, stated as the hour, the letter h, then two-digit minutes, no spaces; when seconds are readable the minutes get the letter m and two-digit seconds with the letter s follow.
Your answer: 7h25
